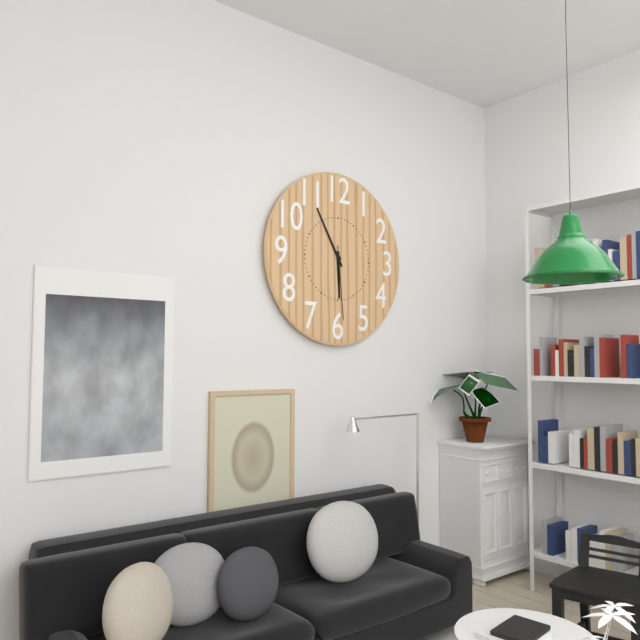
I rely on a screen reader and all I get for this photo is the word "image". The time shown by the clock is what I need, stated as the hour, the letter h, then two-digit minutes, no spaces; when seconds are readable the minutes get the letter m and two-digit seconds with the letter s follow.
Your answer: 5h55m29s
